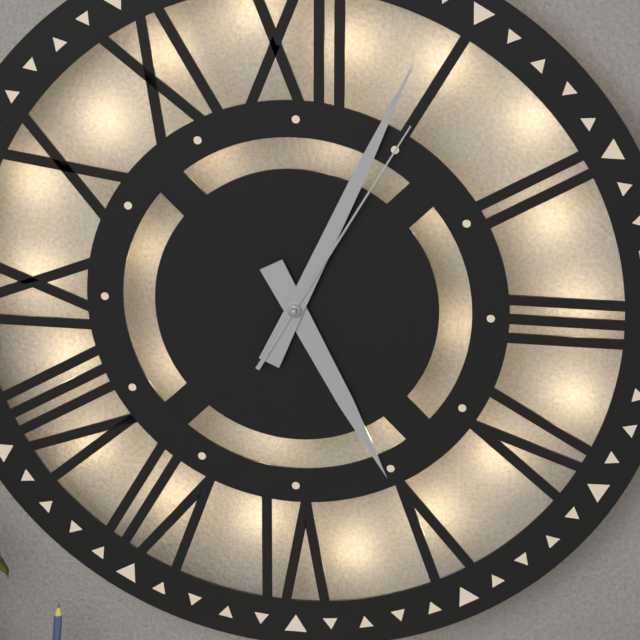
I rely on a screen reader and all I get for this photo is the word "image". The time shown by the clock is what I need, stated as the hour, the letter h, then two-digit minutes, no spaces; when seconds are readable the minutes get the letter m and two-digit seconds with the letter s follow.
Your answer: 5h04m05s
